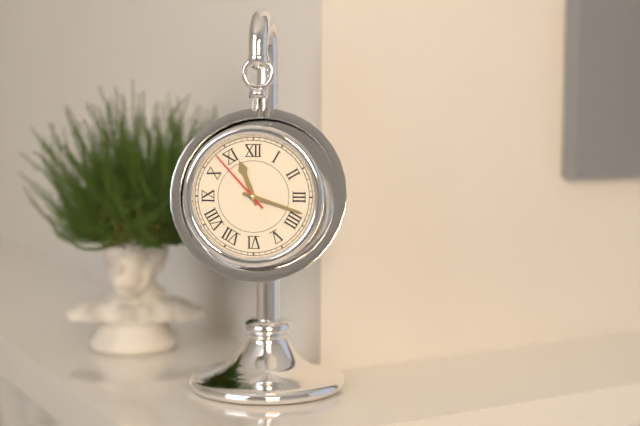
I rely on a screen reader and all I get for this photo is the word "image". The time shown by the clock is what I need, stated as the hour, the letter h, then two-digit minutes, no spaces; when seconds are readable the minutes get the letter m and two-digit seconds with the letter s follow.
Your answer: 11h18m53s
